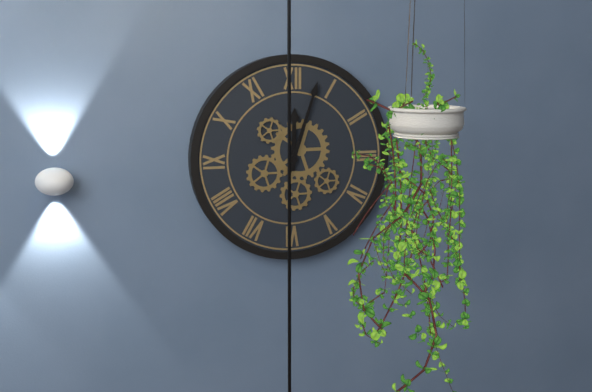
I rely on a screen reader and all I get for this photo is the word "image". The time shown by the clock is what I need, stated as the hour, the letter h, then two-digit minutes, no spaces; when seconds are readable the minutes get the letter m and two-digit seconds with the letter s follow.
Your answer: 12h03
